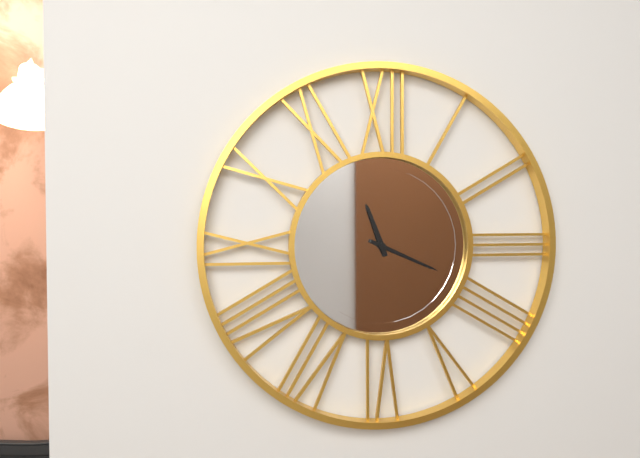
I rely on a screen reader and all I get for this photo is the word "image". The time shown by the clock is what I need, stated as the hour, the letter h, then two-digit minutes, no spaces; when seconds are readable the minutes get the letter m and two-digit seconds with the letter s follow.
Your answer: 11h19
